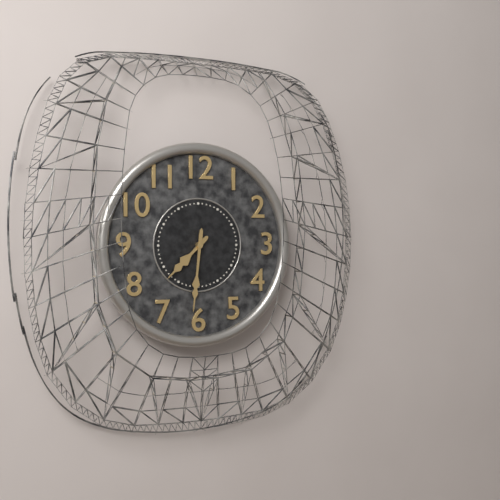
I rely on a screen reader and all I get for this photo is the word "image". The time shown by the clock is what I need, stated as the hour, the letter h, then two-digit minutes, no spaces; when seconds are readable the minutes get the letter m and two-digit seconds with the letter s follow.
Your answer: 7h31
